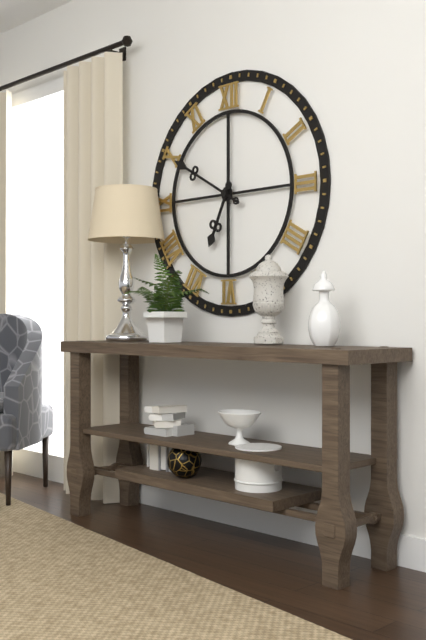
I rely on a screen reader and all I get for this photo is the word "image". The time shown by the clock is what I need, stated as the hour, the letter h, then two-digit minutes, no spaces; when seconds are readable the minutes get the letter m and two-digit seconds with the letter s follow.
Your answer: 6h50
